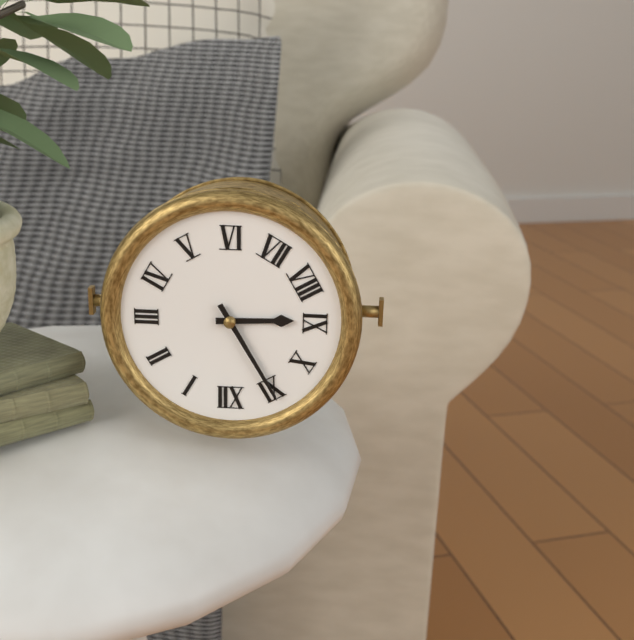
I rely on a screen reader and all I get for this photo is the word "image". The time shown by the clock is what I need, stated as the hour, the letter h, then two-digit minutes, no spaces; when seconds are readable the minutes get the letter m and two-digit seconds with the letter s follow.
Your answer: 8h55
